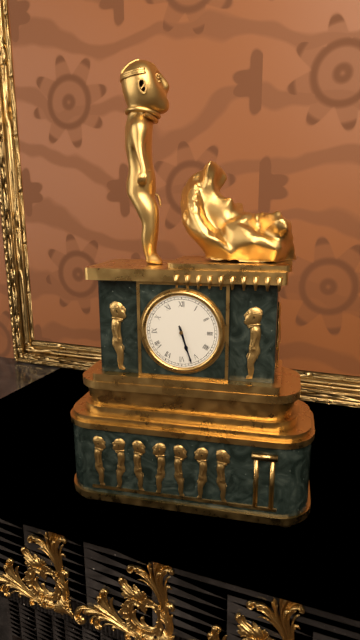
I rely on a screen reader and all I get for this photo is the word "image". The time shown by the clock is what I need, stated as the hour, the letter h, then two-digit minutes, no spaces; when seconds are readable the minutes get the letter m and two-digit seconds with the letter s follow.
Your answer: 5h27
